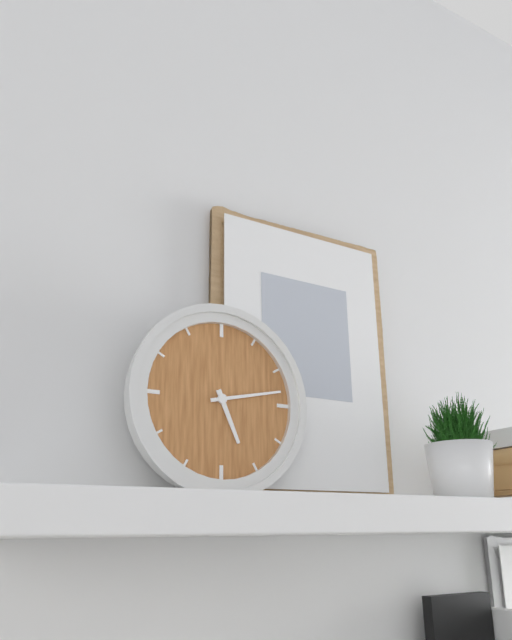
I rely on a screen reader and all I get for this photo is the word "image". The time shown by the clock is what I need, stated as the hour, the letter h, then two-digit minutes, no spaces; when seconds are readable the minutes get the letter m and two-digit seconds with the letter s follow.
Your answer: 5h13
